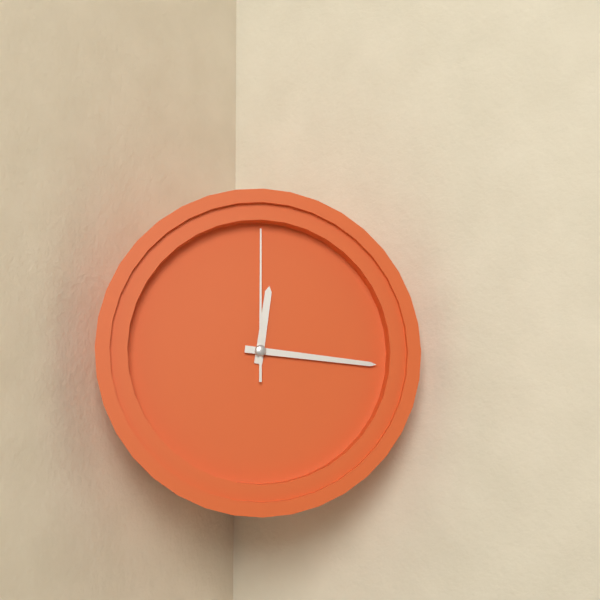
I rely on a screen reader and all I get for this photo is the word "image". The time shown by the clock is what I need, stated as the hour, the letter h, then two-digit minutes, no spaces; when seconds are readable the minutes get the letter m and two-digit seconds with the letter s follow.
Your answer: 12h16m00s
